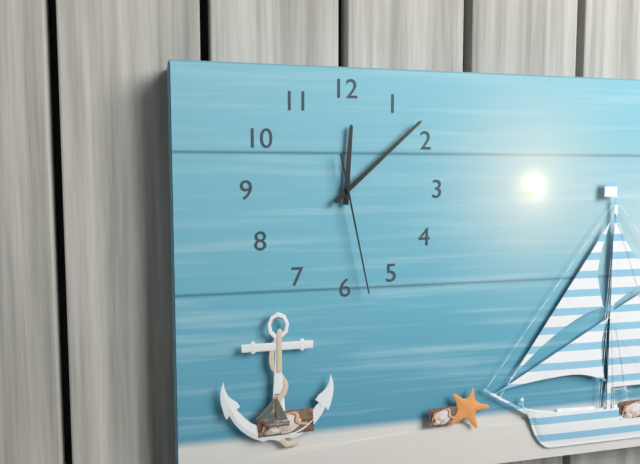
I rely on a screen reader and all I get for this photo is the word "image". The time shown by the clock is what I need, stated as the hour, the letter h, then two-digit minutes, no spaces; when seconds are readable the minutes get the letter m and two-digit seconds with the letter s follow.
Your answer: 12h08m28s
